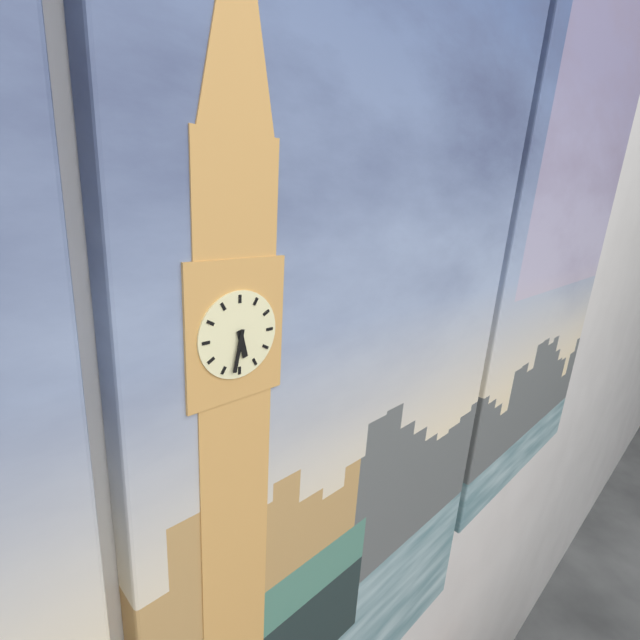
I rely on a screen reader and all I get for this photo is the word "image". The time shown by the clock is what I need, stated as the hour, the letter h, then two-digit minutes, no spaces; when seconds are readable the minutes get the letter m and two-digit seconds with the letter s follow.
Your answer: 5h32
